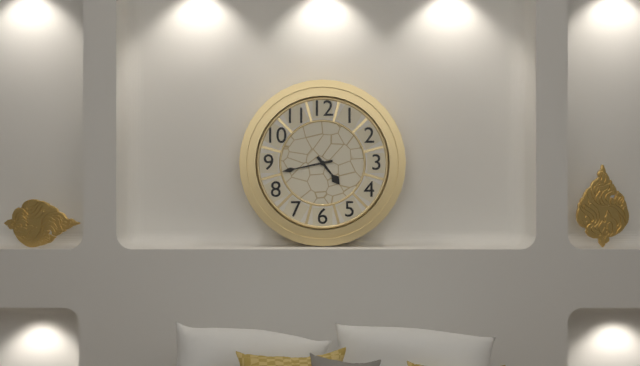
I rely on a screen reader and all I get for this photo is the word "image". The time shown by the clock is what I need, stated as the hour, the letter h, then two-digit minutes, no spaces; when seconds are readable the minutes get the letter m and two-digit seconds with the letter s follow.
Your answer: 4h43
